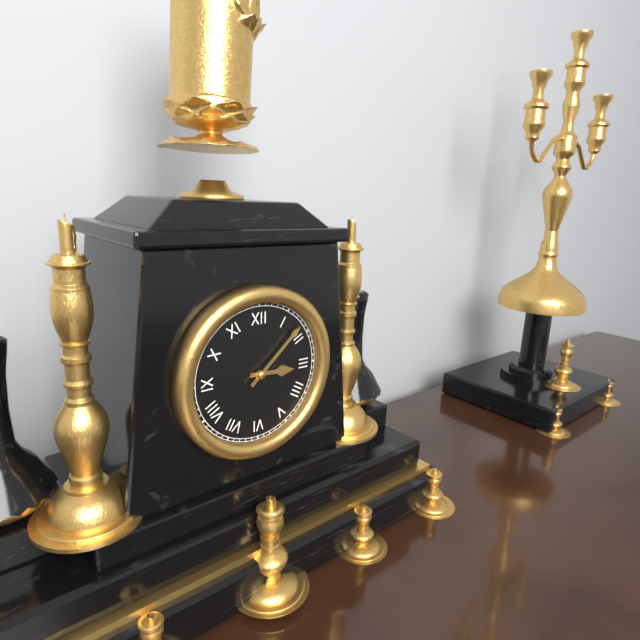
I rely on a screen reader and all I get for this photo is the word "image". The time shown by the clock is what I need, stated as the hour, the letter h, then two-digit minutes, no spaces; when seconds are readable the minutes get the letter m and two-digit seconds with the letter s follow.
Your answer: 3h08
